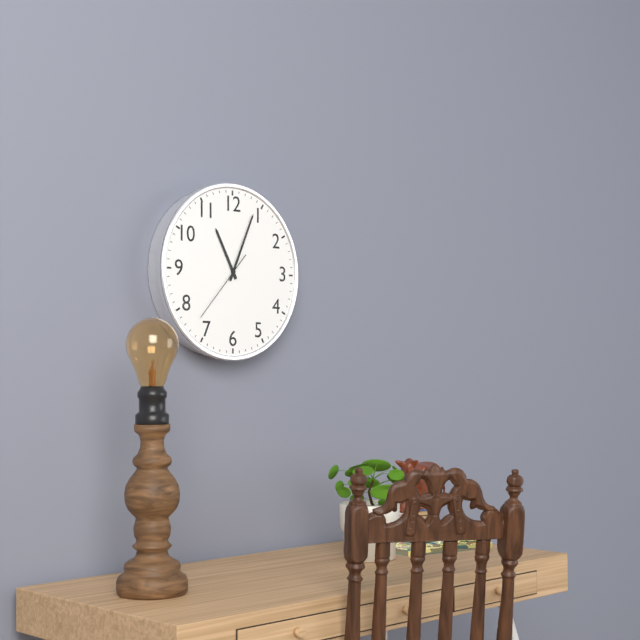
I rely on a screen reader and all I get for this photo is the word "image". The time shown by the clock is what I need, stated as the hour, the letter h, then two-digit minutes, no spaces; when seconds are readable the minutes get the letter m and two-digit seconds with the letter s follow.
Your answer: 11h04m37s
